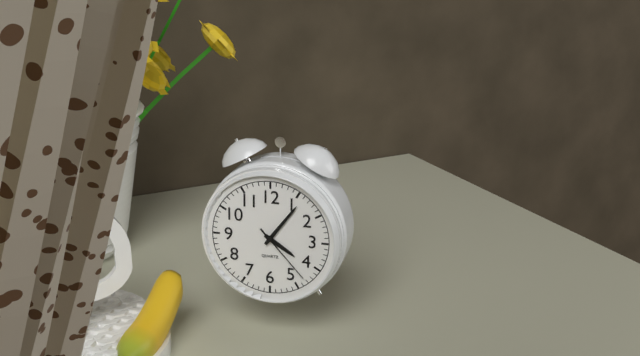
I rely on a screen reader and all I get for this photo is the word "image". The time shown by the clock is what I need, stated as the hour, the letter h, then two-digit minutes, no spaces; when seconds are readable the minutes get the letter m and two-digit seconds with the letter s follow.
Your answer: 4h06m23s
